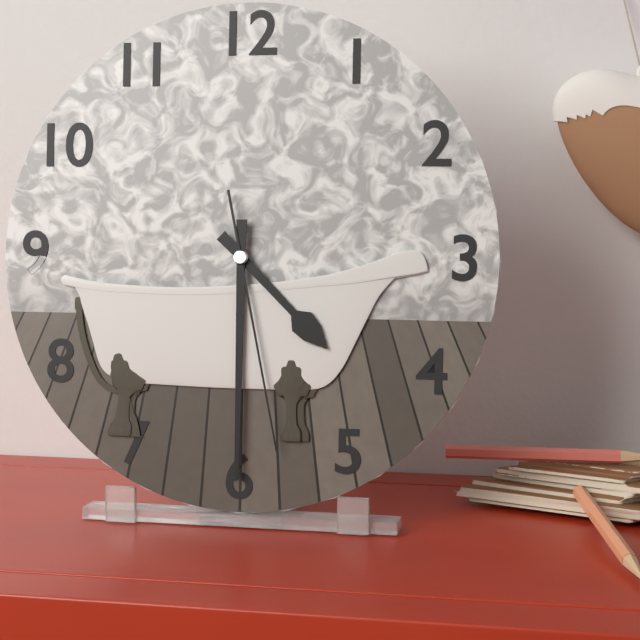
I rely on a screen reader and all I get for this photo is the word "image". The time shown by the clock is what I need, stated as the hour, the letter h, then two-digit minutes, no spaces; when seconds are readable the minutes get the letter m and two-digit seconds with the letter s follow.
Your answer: 4h30m28s
